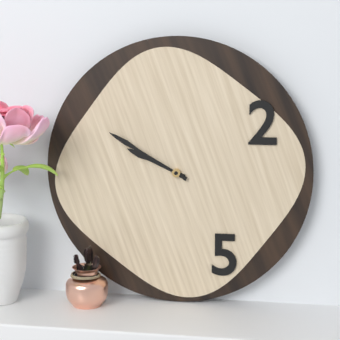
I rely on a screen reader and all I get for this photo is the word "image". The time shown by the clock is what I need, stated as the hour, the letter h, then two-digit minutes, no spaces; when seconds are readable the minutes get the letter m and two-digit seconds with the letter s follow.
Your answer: 9h50
